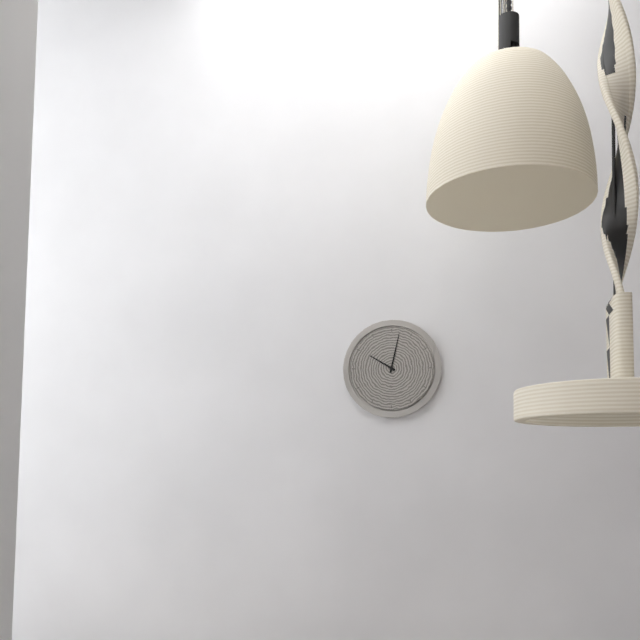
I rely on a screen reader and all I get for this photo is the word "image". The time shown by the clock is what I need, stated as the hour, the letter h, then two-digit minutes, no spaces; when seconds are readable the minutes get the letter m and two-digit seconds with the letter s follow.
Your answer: 10h02
